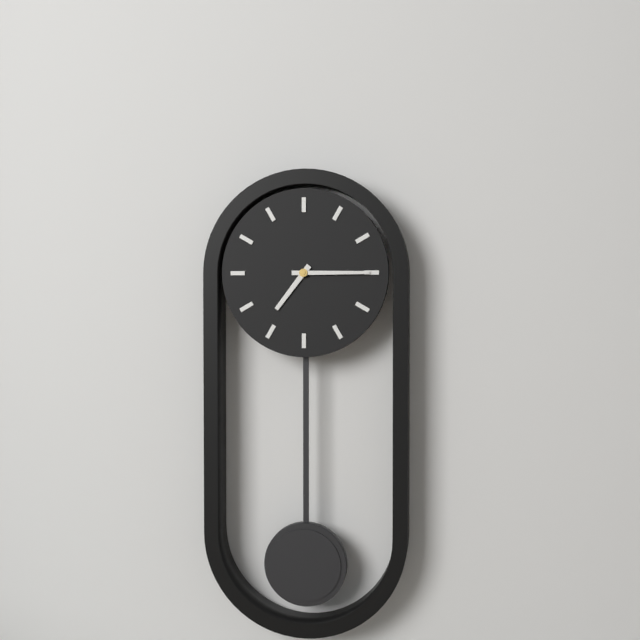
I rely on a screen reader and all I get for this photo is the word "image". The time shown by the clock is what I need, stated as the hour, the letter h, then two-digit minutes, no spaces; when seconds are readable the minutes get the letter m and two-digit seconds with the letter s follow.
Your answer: 7h15
